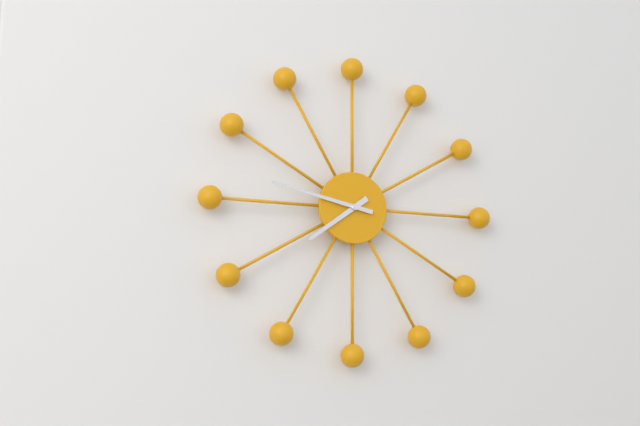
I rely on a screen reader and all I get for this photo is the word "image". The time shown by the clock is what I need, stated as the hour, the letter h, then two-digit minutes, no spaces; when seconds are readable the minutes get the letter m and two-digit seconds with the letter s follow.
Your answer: 7h47
